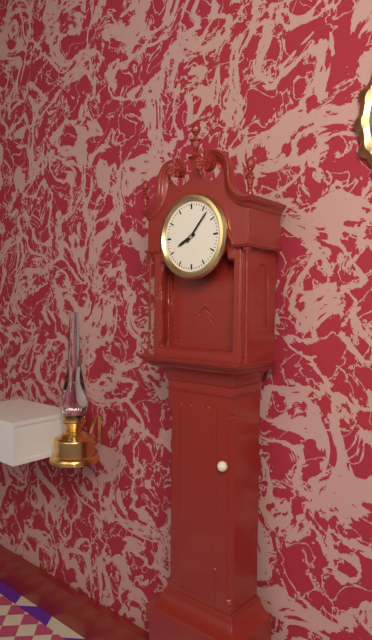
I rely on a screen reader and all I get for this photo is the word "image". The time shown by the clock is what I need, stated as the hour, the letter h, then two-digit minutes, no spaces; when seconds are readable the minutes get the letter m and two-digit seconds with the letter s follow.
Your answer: 8h07
